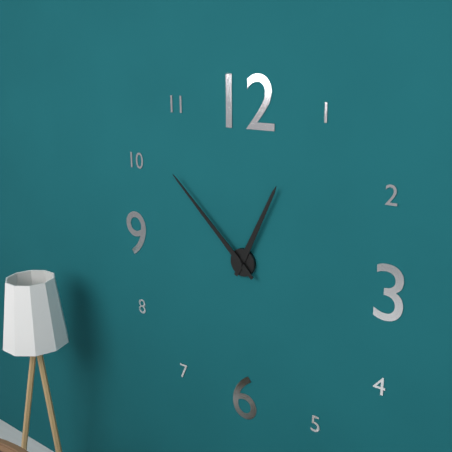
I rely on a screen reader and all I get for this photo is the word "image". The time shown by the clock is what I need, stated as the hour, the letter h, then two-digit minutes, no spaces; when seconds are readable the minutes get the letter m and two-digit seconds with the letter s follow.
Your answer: 12h52
